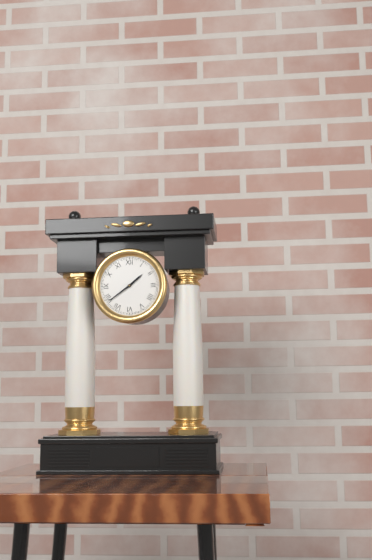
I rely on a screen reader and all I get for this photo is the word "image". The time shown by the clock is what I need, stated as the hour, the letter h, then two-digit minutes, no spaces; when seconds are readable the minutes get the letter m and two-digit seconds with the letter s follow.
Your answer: 1h39
